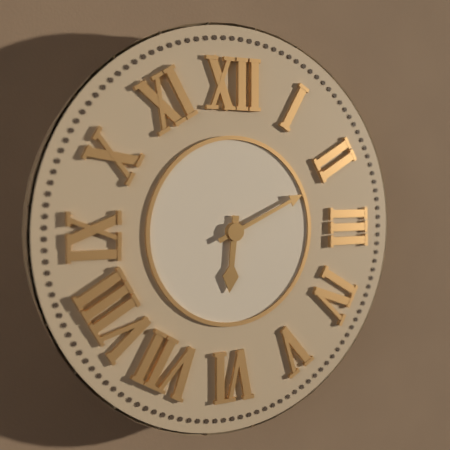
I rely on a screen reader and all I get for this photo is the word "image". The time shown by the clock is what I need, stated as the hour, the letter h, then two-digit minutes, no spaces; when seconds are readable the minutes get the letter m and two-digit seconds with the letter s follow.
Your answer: 6h11
